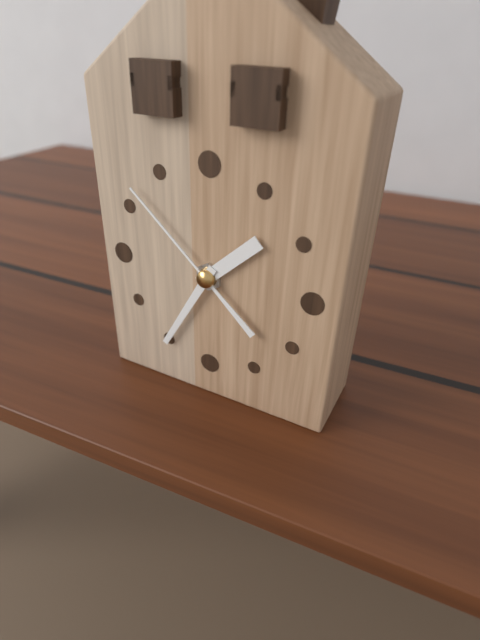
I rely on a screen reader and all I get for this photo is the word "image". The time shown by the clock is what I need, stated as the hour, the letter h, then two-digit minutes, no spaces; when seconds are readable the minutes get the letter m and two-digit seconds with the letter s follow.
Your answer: 1h35m52s
